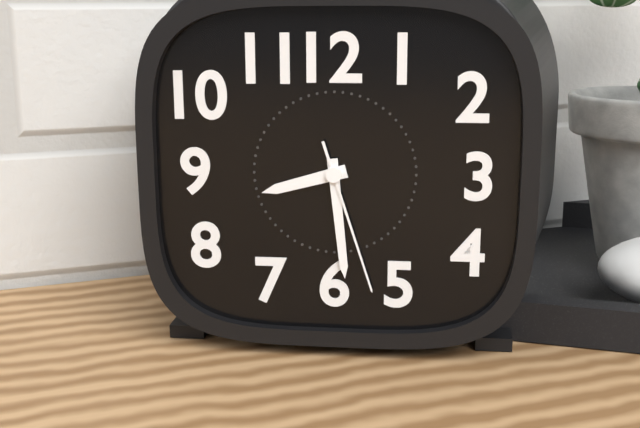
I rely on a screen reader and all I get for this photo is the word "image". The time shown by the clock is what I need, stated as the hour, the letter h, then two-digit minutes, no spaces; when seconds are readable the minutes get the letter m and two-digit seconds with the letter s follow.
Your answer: 8h29m27s
